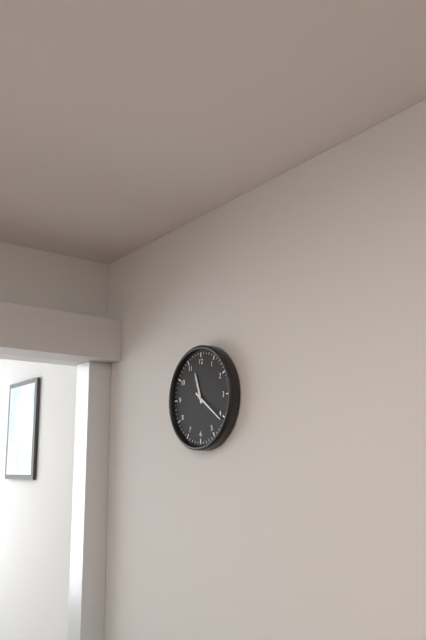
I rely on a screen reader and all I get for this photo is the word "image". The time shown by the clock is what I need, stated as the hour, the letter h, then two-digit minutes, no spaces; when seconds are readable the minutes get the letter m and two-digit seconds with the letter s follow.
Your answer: 11h21
